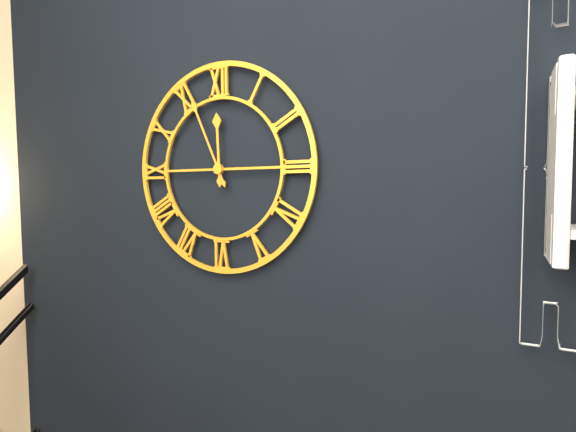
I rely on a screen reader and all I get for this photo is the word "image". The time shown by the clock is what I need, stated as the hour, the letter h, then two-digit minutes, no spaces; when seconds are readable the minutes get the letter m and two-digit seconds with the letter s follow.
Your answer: 11h56
